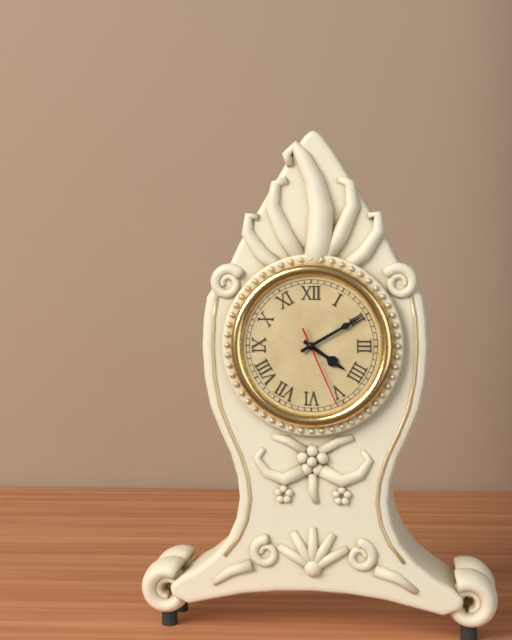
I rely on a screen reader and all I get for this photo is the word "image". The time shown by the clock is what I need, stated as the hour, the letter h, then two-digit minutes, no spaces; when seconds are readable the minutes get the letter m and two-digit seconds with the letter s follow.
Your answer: 4h10m26s
